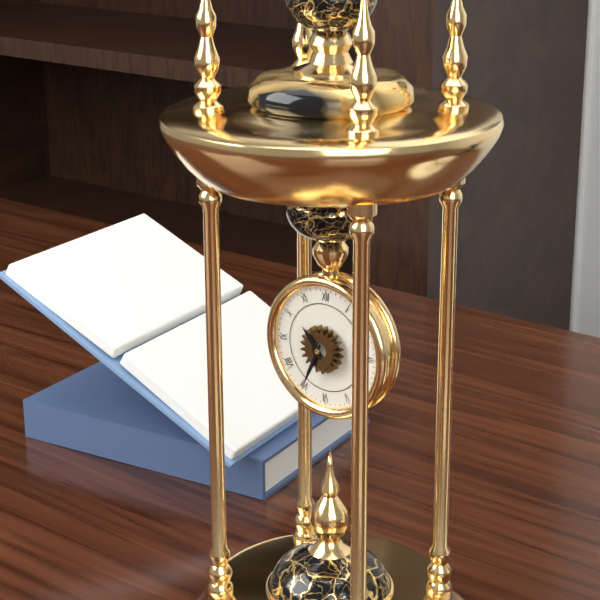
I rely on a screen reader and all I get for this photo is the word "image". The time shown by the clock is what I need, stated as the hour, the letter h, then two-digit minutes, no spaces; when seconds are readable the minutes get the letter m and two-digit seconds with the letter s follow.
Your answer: 10h34
